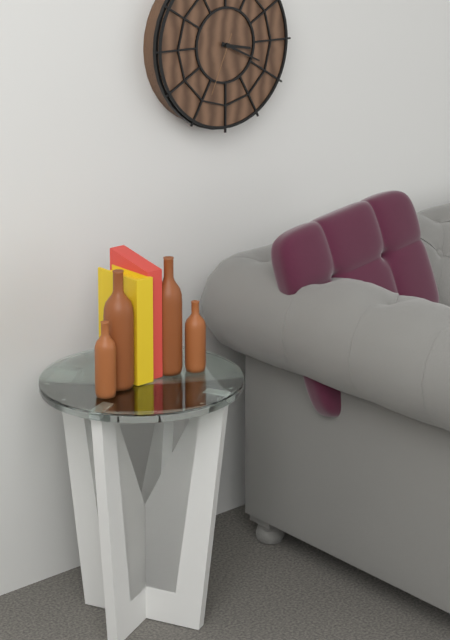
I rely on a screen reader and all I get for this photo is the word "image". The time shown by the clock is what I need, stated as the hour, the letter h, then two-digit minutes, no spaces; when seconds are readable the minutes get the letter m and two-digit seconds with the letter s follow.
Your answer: 3h19m34s
